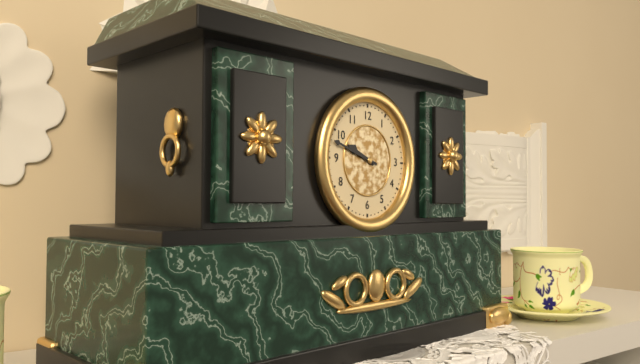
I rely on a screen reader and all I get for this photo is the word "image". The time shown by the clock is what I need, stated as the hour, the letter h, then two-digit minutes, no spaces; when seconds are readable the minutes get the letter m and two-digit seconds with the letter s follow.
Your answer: 9h48
